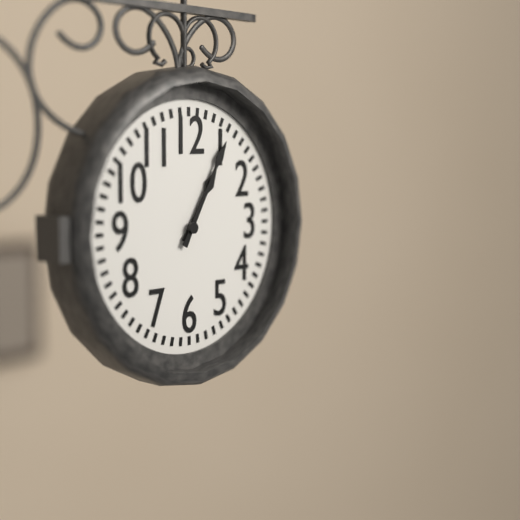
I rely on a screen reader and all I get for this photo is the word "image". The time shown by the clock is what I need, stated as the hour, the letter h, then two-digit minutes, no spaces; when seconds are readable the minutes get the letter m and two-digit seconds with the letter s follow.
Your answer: 1h05
